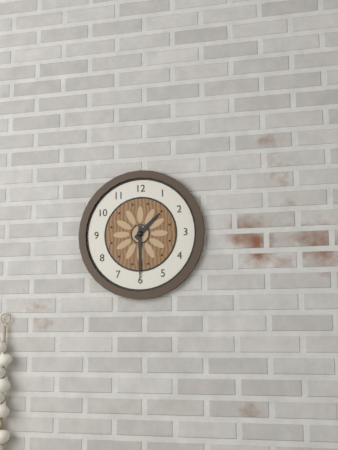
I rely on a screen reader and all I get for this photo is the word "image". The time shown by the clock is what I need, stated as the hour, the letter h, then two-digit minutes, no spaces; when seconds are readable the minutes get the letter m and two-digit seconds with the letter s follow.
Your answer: 1h30
